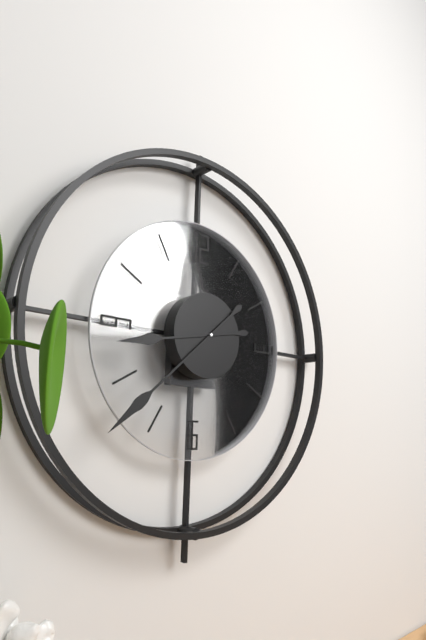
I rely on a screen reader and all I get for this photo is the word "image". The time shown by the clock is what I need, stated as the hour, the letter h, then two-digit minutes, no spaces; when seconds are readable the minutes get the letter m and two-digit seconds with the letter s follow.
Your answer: 8h38
